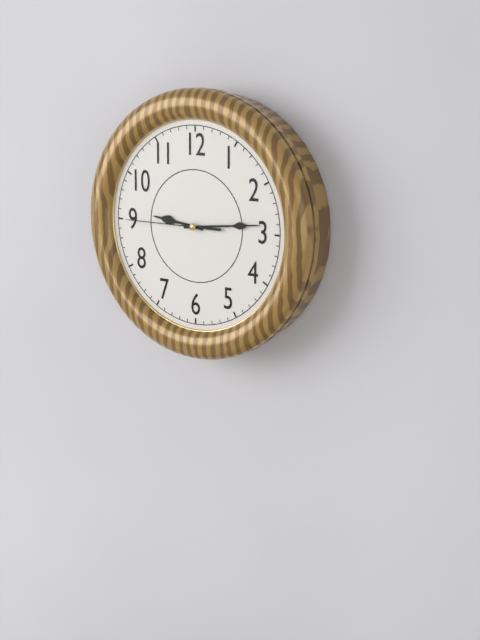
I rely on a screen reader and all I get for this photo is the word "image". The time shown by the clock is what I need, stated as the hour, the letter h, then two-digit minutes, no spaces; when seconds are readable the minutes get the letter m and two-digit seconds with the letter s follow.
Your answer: 9h14m45s
